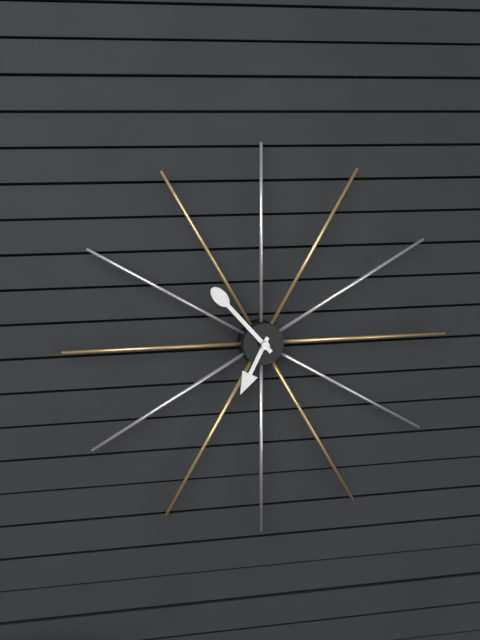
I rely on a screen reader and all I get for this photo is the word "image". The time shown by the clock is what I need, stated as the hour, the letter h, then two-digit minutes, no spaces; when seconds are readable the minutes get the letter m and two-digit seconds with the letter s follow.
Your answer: 6h53
